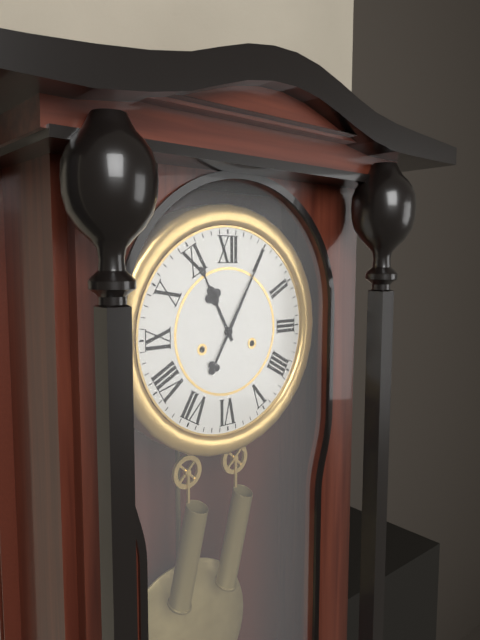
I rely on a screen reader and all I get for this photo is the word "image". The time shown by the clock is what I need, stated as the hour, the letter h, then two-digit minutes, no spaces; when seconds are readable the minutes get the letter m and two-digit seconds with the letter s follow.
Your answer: 11h05
